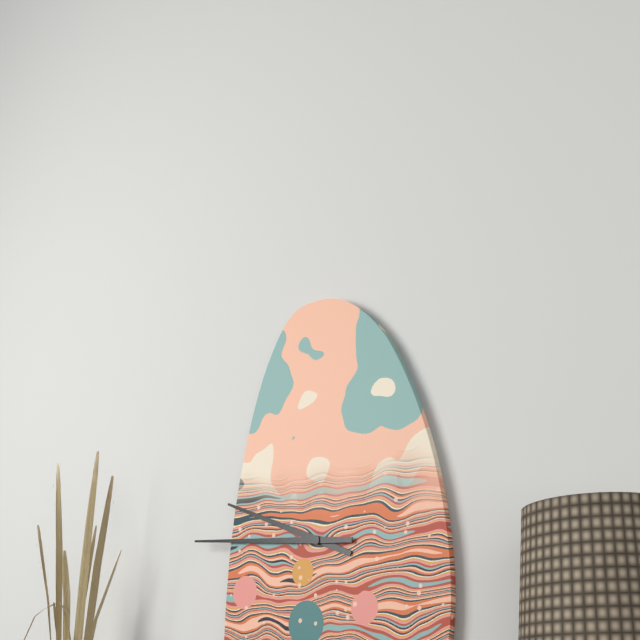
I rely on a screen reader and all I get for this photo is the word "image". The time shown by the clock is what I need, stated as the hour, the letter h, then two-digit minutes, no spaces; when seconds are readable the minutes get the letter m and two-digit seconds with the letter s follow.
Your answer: 9h46
